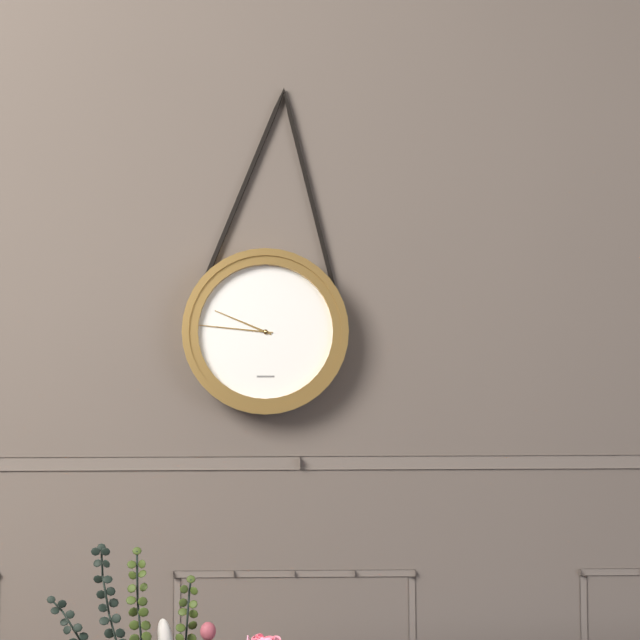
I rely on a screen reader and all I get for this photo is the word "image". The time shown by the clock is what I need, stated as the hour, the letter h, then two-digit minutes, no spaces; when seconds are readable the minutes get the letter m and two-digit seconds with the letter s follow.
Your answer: 9h46
